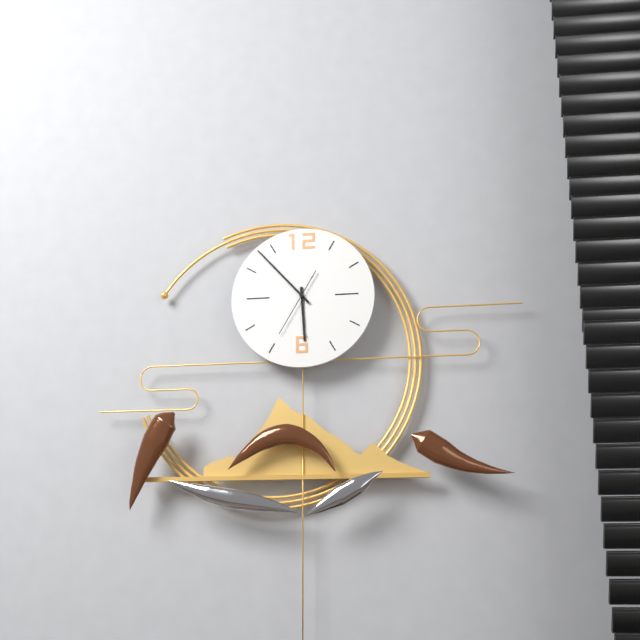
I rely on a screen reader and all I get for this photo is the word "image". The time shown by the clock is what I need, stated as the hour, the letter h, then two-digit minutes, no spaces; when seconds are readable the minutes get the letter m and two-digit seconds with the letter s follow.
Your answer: 5h53m35s
